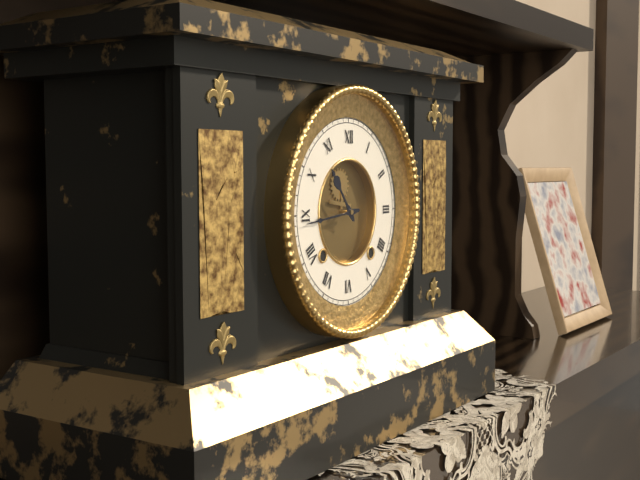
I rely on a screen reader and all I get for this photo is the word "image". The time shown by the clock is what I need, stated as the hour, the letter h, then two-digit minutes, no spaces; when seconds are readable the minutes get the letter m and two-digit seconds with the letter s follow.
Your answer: 10h44
